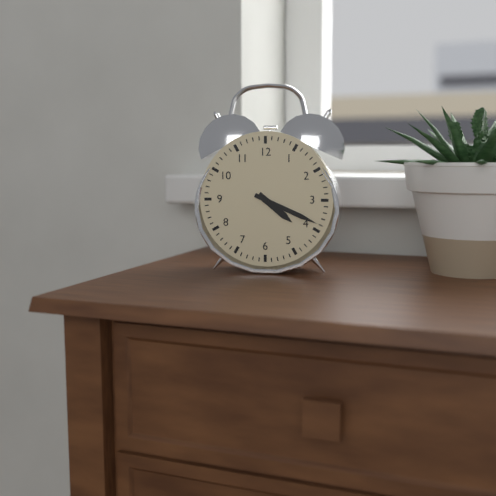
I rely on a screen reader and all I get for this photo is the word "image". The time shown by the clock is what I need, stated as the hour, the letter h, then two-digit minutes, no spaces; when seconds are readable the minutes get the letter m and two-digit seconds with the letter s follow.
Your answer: 4h19
